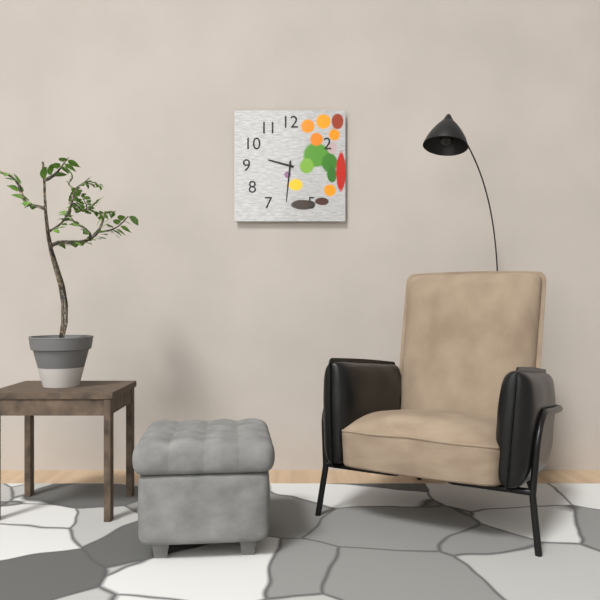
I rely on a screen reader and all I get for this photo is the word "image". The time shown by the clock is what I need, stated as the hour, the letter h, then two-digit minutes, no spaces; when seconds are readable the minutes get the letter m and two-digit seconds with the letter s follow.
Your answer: 9h31
